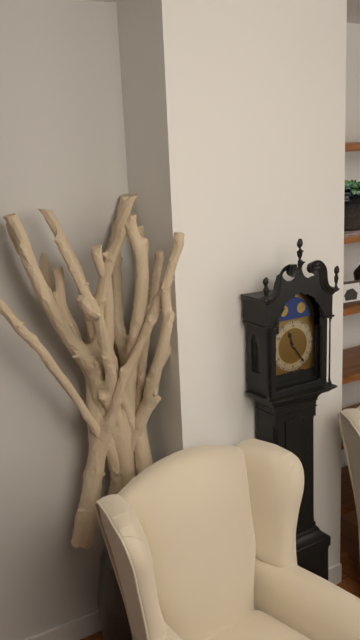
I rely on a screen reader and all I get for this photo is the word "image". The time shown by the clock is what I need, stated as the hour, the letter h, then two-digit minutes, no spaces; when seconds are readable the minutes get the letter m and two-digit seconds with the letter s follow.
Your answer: 11h24
